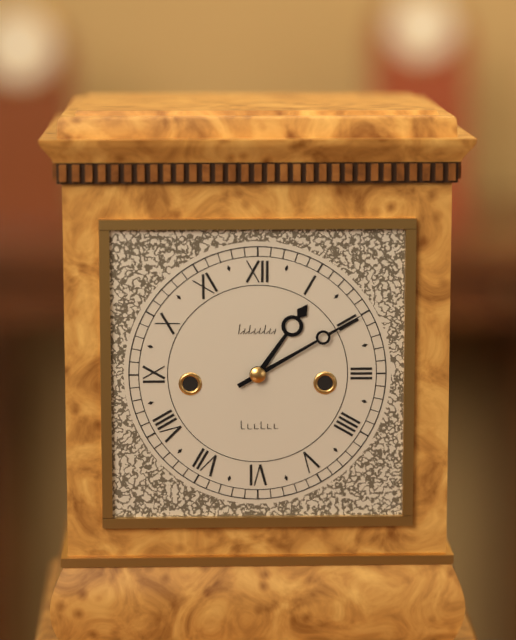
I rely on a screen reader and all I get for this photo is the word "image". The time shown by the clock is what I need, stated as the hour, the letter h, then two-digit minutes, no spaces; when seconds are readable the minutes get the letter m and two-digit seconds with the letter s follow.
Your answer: 1h10
